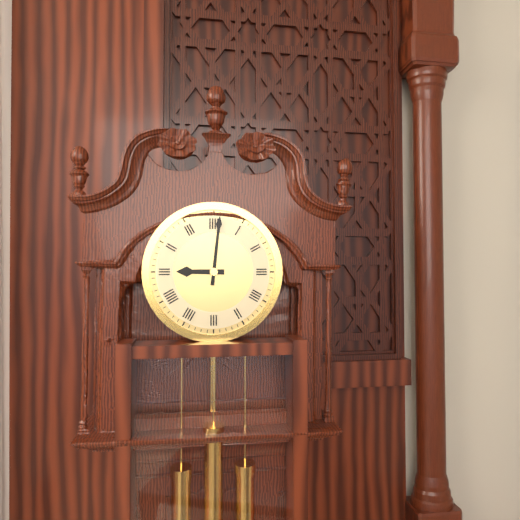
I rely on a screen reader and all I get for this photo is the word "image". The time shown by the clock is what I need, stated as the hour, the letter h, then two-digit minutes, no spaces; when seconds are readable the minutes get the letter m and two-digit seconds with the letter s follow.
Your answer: 9h01
